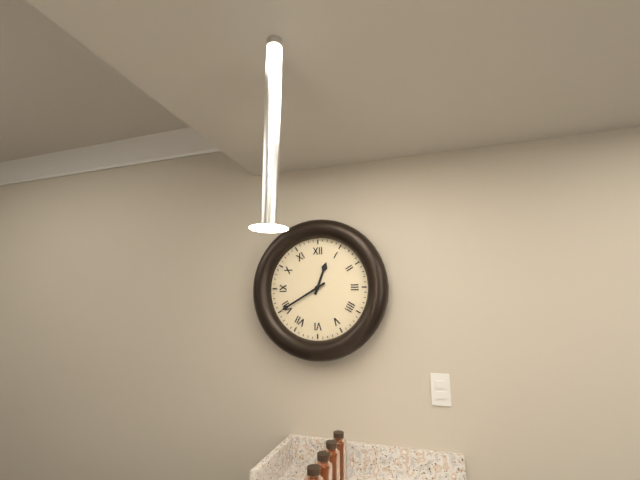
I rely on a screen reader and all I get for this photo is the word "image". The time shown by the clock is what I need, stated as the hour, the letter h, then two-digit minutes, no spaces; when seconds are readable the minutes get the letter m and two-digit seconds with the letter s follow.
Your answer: 12h40
